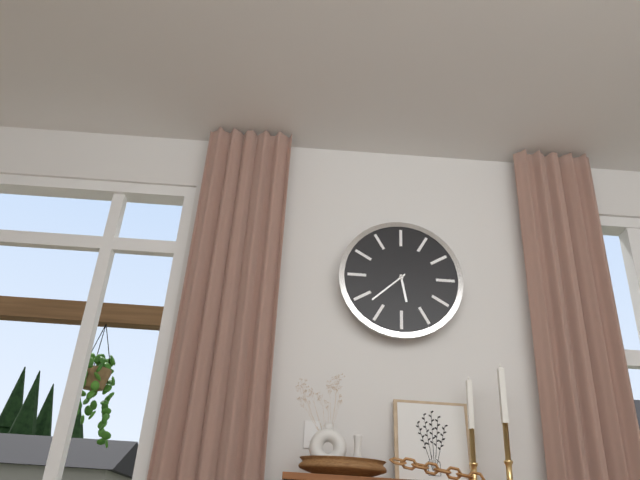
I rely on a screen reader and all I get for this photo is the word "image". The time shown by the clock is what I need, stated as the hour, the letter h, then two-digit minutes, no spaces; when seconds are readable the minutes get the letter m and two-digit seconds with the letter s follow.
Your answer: 5h38
